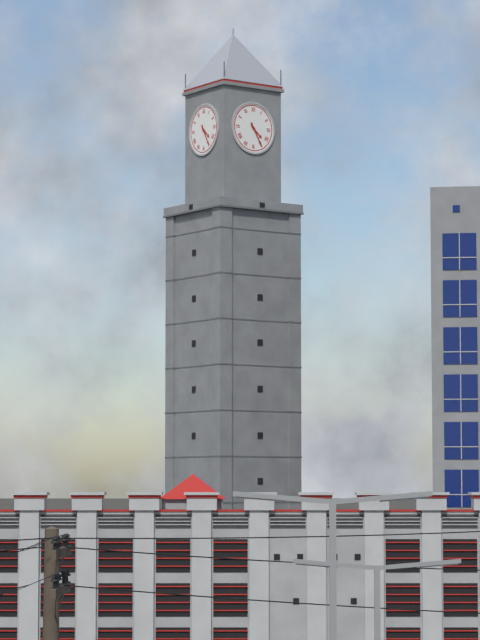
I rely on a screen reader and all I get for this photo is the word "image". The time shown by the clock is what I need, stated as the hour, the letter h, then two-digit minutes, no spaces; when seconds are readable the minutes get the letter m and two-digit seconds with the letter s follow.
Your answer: 4h25
